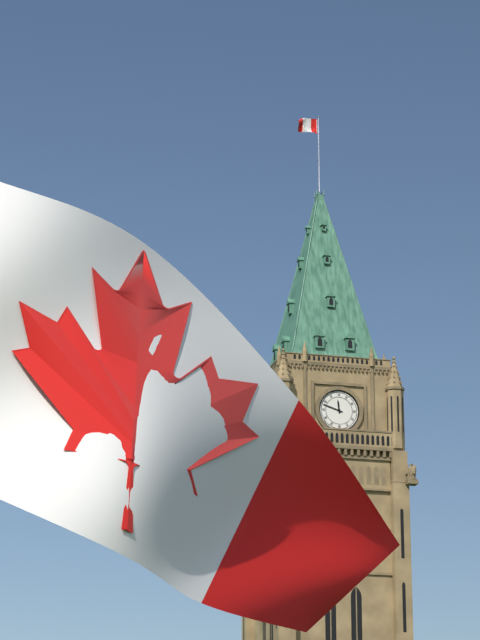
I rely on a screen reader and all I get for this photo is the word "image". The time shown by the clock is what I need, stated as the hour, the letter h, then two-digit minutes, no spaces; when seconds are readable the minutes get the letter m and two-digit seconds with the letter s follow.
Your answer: 11h48
